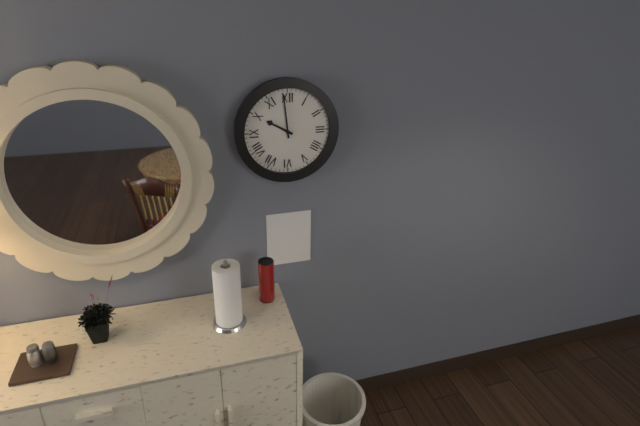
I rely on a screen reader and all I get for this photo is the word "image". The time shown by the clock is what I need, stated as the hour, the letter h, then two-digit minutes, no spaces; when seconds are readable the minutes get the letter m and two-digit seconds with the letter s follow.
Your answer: 9h59
